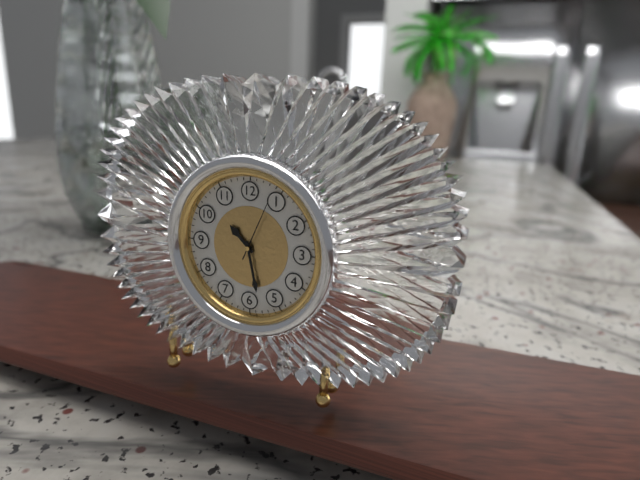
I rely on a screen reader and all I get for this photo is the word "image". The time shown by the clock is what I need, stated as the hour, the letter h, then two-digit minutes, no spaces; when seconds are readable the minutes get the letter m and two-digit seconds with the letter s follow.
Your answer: 10h28m04s
